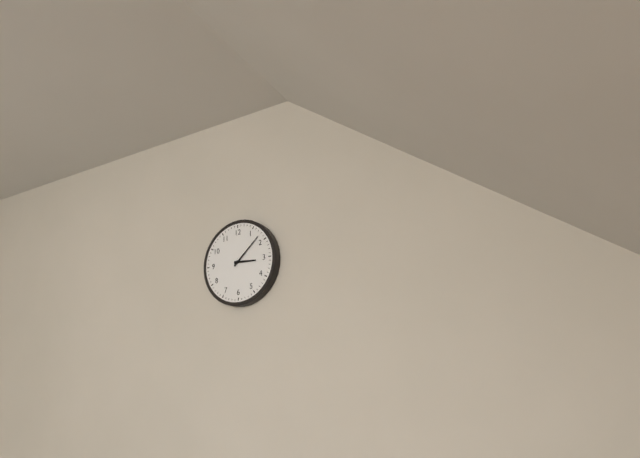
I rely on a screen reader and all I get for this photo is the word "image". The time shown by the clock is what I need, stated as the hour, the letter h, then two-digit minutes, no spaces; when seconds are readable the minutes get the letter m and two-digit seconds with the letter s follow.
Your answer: 3h08
